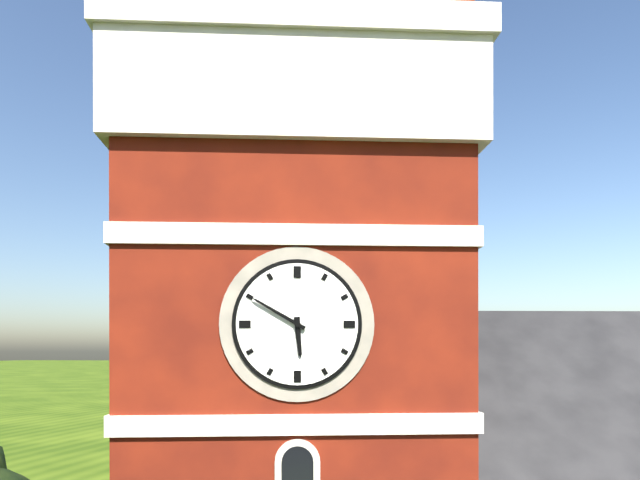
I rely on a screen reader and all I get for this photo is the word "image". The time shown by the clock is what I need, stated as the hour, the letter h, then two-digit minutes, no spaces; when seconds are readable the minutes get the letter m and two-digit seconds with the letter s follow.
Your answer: 5h50
